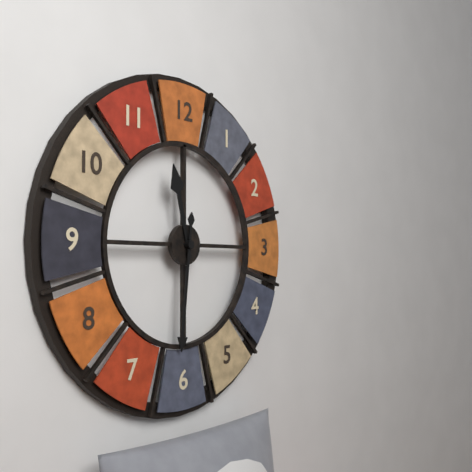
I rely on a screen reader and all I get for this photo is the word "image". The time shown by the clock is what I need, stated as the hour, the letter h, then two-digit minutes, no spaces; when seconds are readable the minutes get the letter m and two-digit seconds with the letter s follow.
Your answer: 11h31
